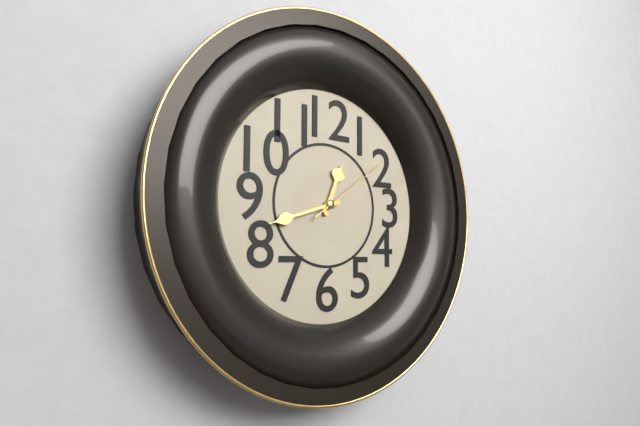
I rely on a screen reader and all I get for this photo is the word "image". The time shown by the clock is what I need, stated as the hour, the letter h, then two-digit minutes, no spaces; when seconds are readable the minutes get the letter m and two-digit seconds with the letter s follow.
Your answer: 12h42m09s
